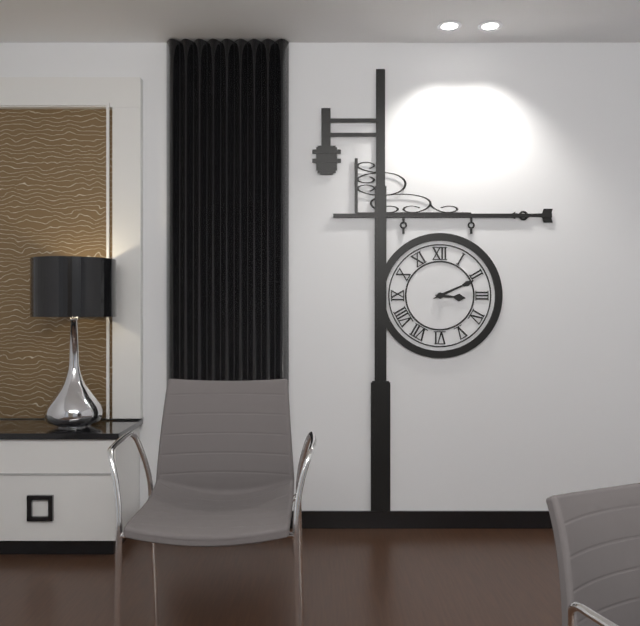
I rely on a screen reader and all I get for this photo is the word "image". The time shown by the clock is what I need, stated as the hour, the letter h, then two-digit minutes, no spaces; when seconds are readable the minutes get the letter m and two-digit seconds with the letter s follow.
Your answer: 3h11
